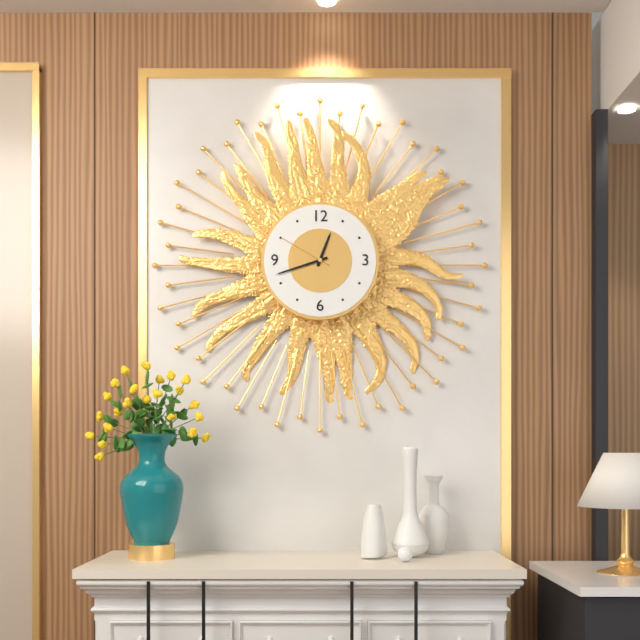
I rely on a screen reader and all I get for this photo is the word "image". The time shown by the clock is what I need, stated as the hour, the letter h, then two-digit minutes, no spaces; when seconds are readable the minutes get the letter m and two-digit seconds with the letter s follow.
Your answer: 12h42m50s
